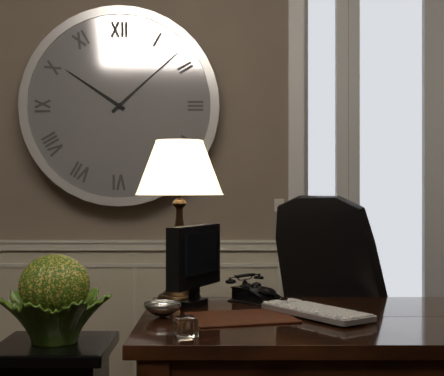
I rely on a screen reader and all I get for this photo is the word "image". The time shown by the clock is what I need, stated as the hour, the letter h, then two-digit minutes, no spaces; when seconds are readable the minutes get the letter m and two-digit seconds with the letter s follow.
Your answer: 10h08
